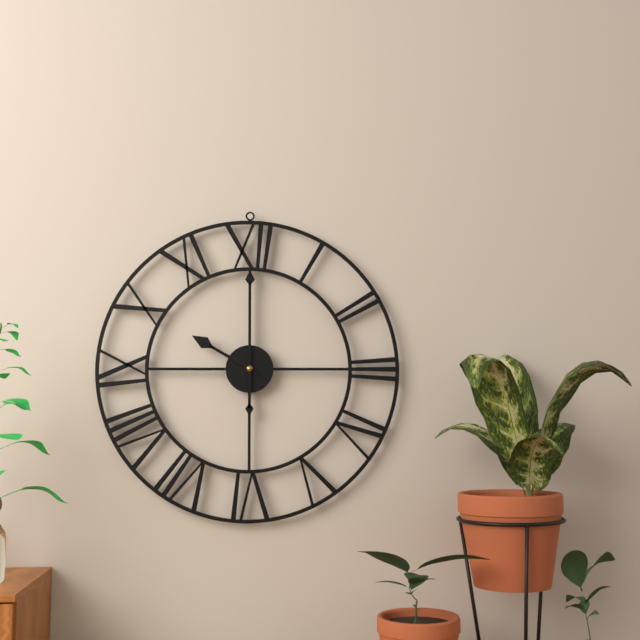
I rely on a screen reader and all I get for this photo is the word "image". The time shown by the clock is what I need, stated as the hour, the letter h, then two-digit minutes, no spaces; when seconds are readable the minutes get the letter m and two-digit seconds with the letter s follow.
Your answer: 10h00
